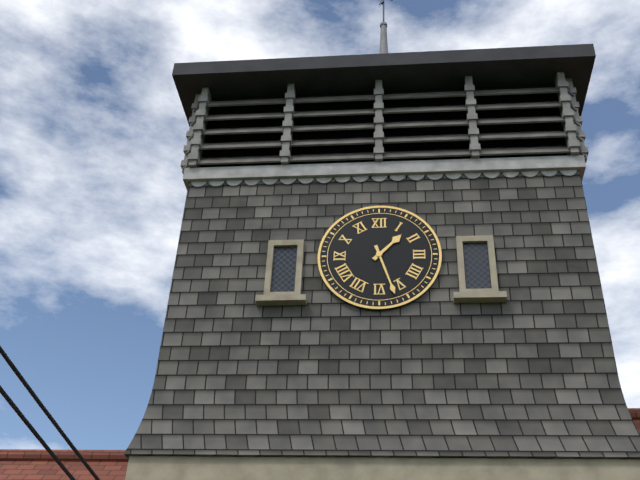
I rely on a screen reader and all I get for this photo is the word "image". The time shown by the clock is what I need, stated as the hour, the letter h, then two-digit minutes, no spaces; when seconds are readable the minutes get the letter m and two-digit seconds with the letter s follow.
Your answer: 1h27
